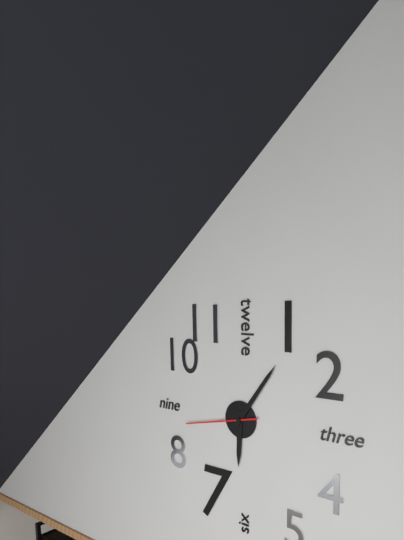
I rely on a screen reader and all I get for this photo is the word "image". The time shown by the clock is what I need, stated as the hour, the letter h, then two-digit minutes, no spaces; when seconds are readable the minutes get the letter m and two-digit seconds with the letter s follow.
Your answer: 6h06m43s
